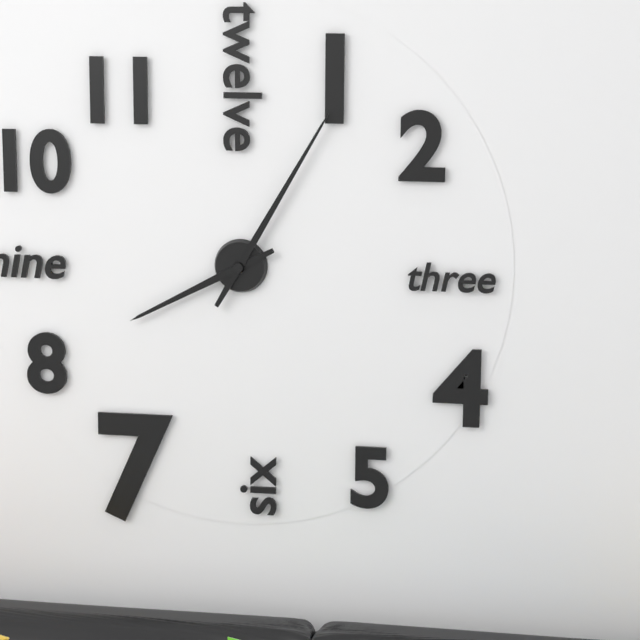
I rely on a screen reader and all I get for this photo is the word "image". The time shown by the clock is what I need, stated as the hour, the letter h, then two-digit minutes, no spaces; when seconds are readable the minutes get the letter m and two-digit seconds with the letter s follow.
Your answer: 8h05
